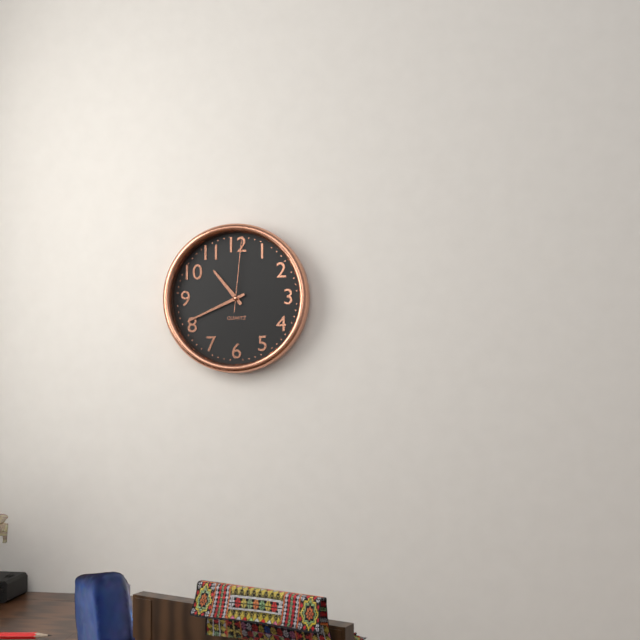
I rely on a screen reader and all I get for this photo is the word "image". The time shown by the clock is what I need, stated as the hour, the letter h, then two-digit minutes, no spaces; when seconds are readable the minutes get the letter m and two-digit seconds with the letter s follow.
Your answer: 10h41m01s
